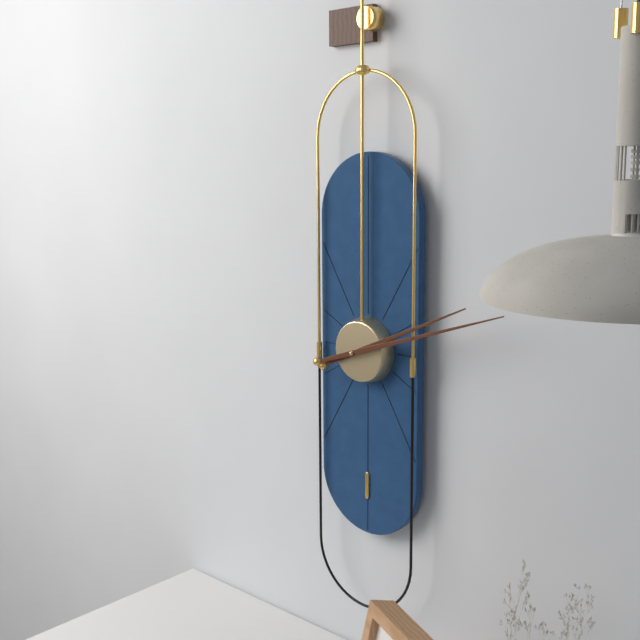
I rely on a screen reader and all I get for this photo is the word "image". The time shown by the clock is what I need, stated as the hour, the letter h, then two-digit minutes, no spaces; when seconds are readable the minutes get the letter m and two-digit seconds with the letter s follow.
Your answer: 2h12
